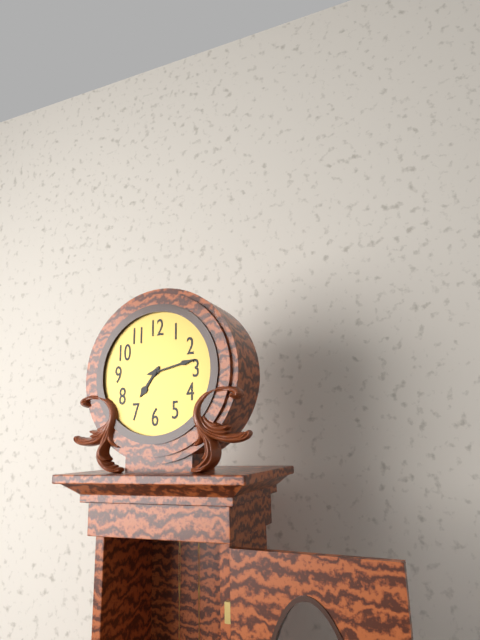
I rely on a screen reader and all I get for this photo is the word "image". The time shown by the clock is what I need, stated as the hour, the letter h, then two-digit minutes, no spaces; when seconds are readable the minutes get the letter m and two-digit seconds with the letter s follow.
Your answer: 7h13
